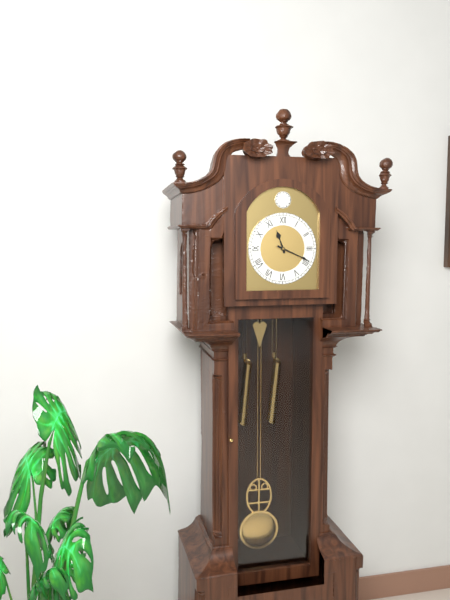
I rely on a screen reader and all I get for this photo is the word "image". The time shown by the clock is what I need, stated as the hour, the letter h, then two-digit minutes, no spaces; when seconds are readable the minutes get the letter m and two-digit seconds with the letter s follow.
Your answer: 11h19
